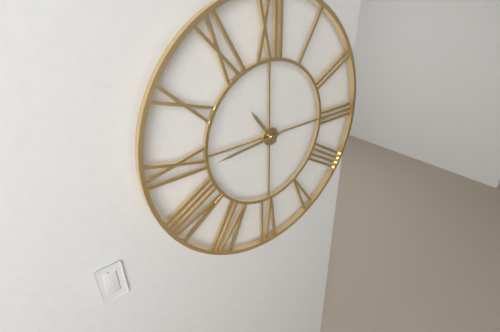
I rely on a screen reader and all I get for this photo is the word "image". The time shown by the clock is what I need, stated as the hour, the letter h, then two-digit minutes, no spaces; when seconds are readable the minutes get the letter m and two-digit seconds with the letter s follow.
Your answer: 10h44
